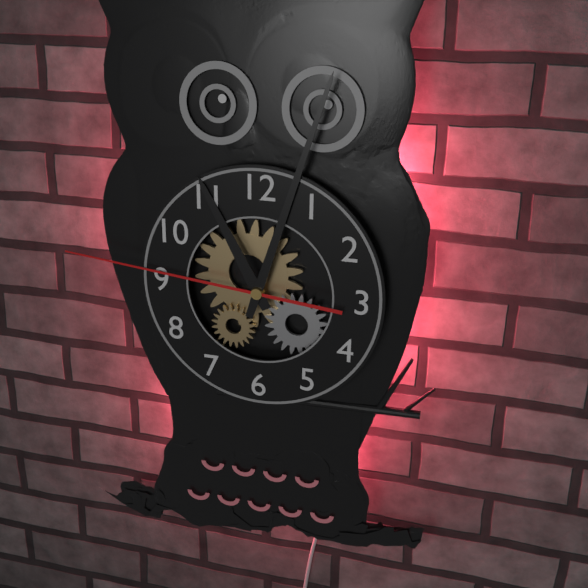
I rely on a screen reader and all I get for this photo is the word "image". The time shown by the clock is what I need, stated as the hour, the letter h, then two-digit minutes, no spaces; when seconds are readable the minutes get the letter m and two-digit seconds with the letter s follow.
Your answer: 11h03m46s
